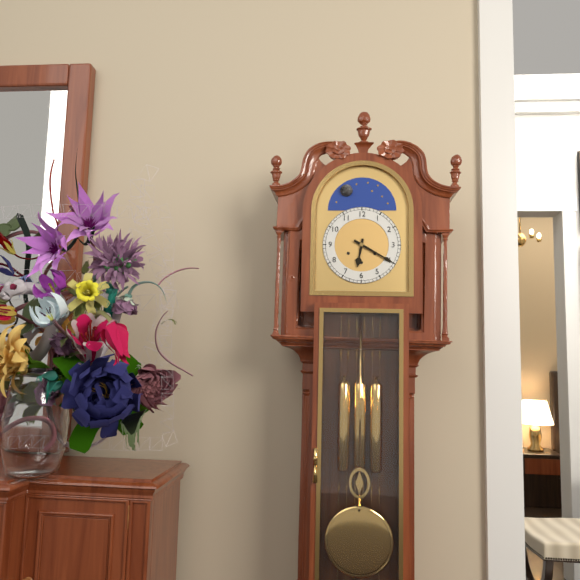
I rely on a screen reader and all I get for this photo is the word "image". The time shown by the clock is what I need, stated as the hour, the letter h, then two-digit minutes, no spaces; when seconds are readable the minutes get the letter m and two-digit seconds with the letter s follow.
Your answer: 6h20
